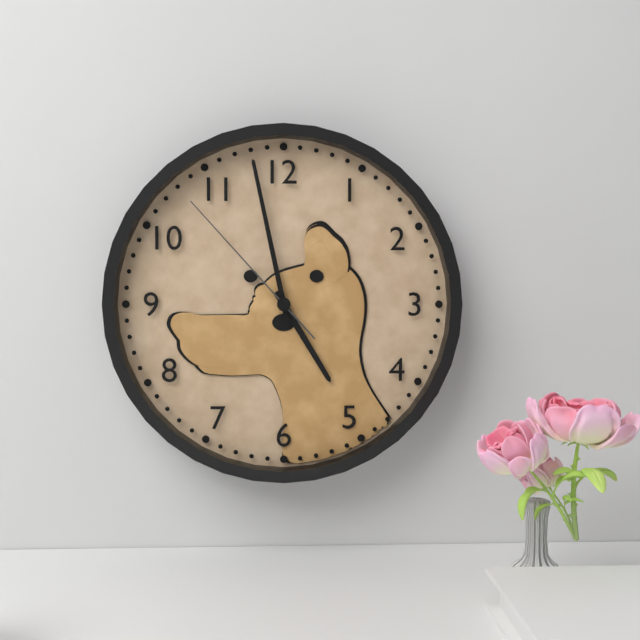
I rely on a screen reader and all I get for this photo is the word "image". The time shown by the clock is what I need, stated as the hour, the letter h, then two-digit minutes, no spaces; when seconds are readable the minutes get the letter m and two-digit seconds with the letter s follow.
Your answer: 4h58m53s
